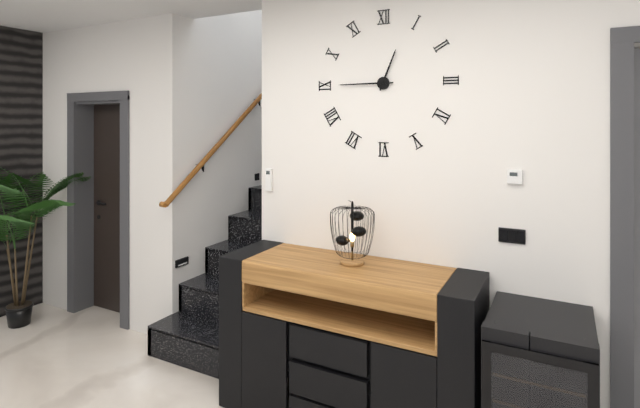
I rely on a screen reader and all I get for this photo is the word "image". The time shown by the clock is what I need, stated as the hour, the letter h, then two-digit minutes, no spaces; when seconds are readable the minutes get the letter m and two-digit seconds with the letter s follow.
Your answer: 12h45
